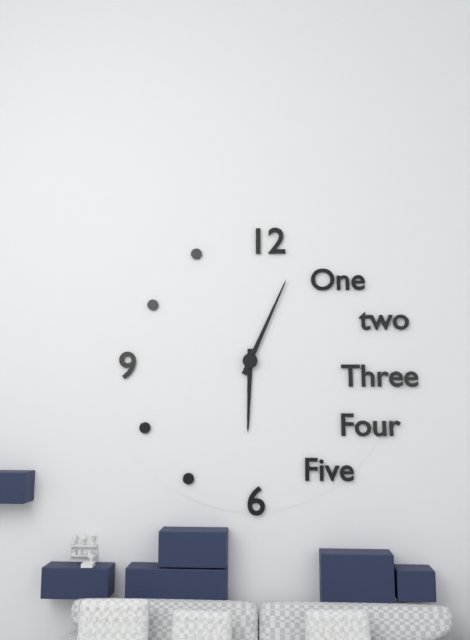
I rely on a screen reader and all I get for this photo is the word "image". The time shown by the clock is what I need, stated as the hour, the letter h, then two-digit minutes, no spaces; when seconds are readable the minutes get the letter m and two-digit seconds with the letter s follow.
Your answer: 6h04
